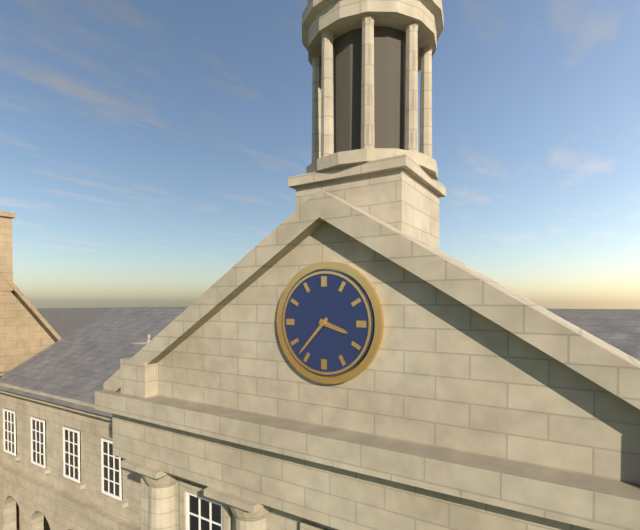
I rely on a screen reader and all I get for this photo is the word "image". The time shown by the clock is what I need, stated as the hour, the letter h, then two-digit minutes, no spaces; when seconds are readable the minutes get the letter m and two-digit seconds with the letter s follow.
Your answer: 3h37
